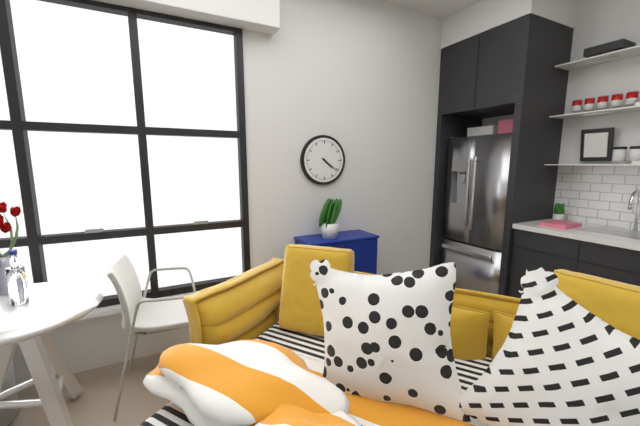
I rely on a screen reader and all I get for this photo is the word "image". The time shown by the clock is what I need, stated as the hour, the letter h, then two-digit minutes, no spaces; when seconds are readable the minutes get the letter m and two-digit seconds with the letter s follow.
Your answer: 4h21
